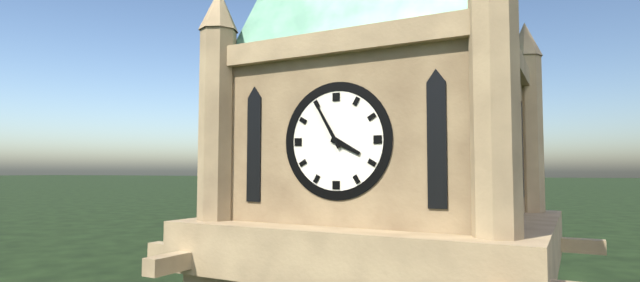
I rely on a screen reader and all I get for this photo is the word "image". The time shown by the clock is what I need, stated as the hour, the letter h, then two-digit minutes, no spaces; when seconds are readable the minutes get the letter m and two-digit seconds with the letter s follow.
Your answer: 3h55
